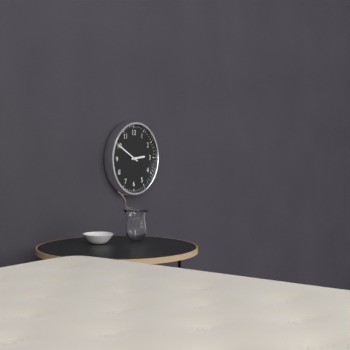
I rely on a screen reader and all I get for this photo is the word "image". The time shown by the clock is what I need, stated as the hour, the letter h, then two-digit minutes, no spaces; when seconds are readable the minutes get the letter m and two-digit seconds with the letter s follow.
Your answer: 2h50
